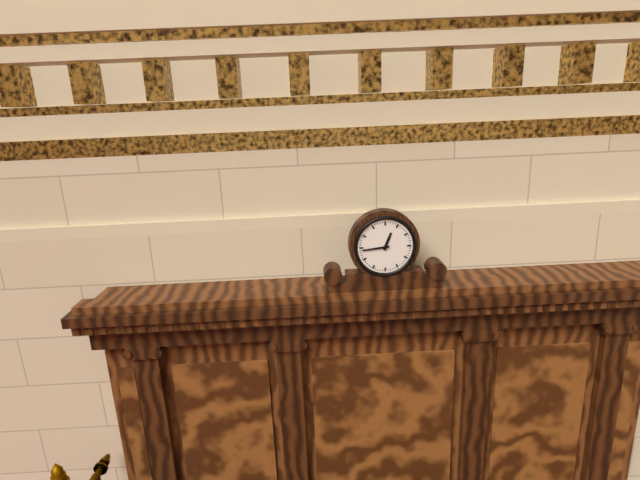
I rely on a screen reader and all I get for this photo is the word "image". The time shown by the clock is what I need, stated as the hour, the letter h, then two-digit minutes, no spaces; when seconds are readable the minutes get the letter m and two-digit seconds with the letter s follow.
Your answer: 12h44
